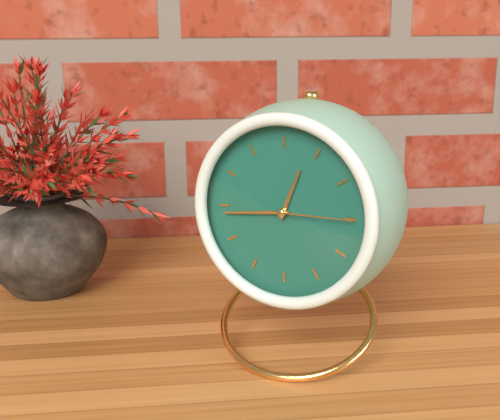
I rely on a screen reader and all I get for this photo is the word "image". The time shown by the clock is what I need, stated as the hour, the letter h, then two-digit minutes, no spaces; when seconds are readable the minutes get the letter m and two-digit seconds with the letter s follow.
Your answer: 12h44m15s
